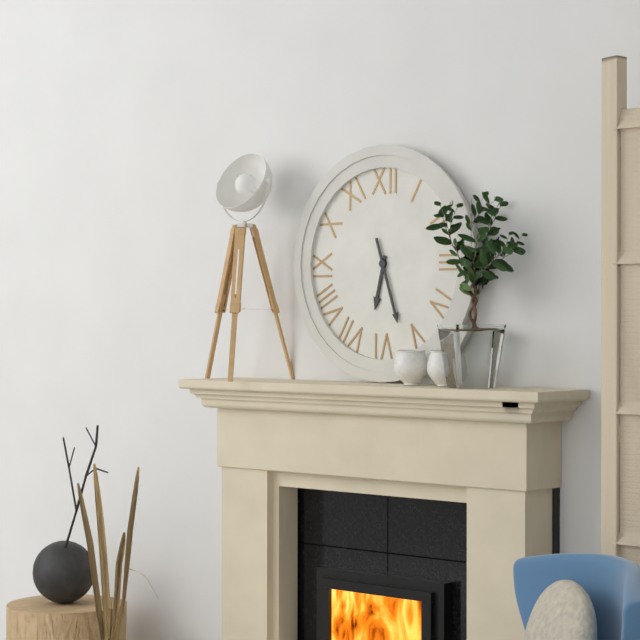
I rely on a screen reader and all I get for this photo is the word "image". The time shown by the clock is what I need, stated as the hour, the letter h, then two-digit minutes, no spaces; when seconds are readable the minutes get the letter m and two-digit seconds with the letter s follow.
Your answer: 6h27
